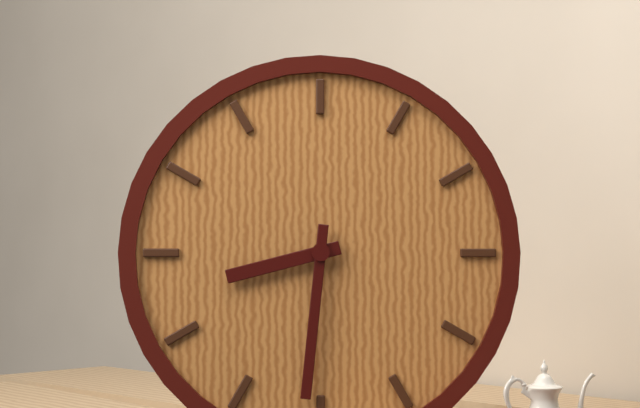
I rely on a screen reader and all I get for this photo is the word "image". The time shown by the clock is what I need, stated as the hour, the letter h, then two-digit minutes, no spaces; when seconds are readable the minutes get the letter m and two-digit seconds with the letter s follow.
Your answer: 8h31
